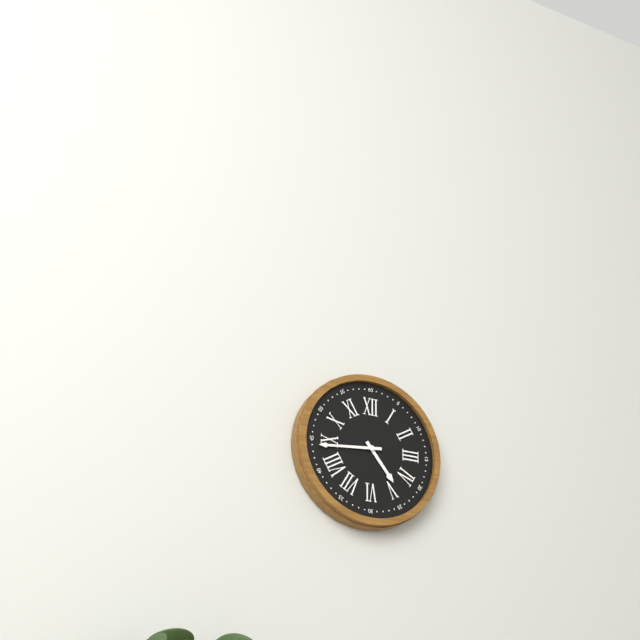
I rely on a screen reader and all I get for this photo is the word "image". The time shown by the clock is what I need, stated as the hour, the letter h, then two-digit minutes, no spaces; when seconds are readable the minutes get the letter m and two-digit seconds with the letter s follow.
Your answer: 4h44
